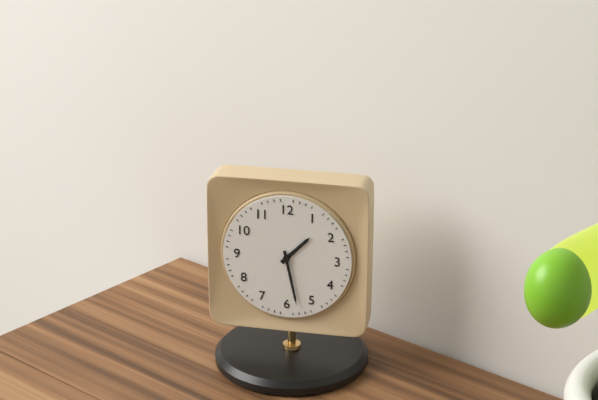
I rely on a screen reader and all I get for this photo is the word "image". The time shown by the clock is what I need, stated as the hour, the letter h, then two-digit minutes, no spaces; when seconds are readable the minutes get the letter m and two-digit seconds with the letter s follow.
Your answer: 1h28
